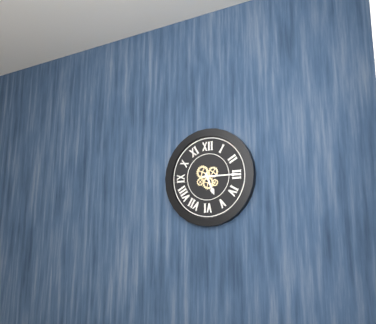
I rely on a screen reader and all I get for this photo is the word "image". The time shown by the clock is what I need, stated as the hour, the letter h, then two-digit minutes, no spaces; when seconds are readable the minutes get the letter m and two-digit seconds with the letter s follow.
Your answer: 5h15
